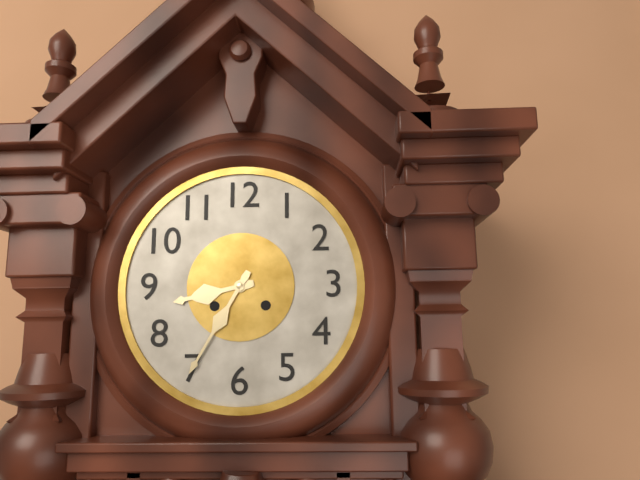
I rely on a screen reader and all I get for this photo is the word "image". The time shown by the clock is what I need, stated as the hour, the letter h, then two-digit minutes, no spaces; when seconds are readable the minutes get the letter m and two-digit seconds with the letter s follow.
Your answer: 8h35
